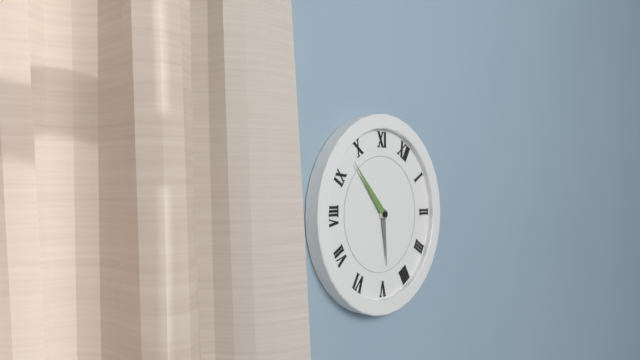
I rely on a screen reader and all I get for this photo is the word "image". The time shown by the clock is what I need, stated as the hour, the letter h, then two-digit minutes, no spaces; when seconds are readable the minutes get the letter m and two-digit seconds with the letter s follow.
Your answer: 4h48
